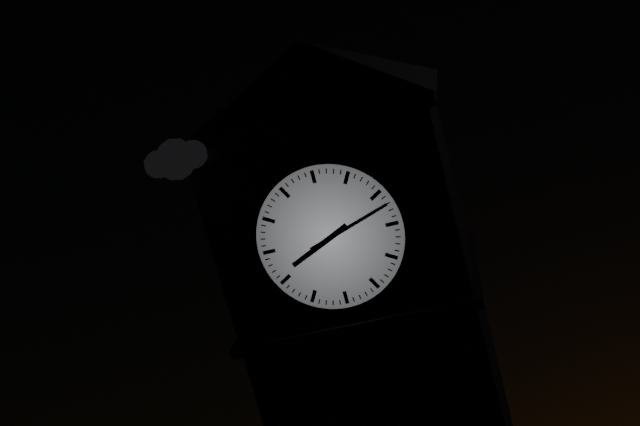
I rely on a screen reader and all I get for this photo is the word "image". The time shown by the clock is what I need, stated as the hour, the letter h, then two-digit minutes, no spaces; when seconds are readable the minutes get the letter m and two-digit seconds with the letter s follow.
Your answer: 8h12
